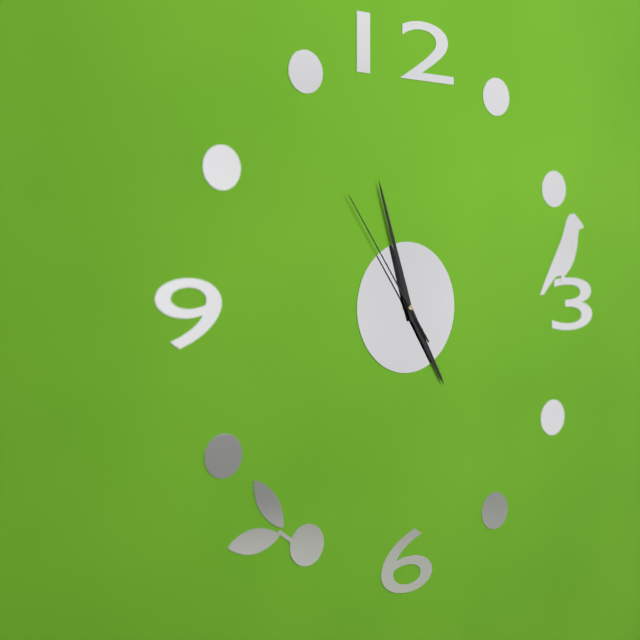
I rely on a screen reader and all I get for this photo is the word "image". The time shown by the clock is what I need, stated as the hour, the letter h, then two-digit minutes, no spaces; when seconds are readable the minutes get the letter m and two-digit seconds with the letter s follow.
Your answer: 4h57m54s
